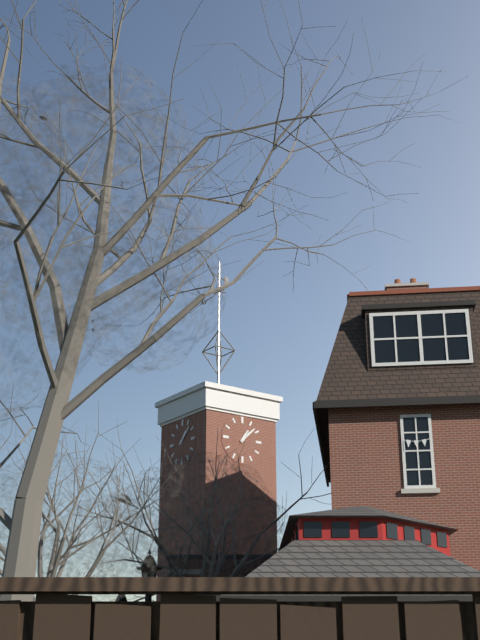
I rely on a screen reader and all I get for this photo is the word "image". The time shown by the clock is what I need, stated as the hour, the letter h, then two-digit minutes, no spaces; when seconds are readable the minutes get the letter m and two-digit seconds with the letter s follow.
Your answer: 1h08
